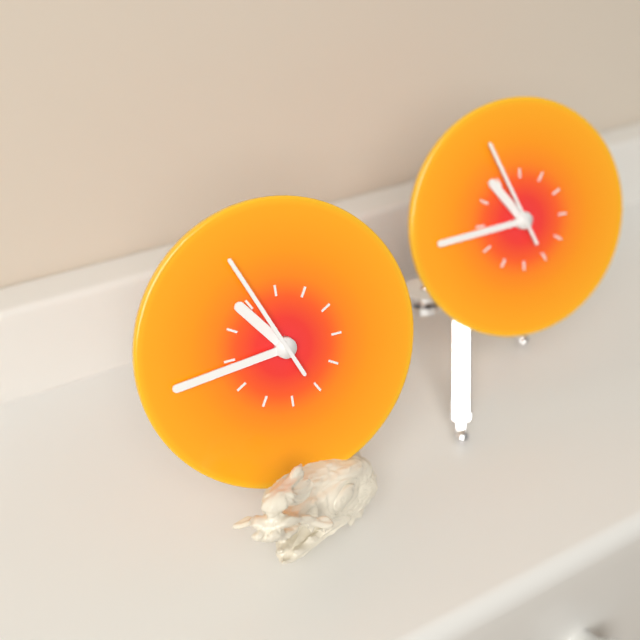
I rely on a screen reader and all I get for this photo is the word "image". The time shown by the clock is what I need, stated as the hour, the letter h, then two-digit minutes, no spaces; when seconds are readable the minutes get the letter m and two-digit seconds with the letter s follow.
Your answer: 10h44m56s
